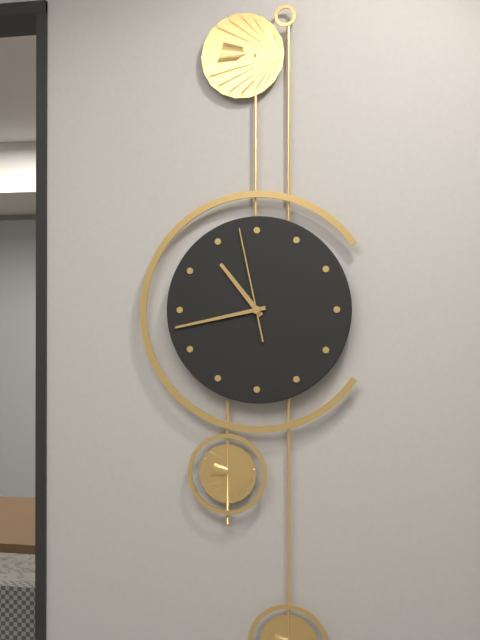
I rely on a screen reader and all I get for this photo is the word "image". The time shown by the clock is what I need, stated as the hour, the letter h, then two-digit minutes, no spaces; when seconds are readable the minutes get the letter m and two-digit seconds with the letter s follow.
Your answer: 10h43m58s
